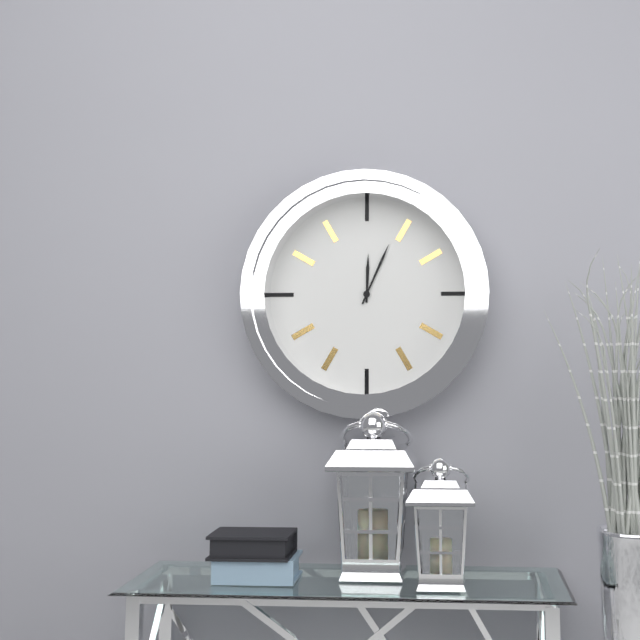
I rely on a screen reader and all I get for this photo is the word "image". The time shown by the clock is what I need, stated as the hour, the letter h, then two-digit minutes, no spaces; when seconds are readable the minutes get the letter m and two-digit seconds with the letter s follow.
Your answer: 12h04
